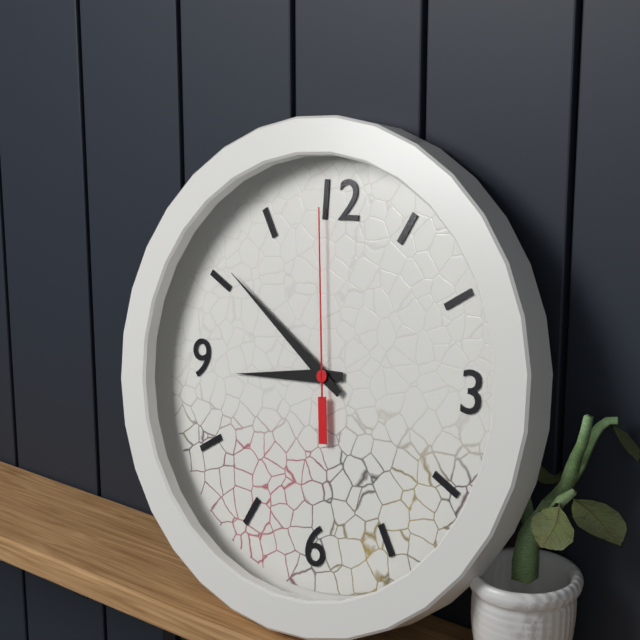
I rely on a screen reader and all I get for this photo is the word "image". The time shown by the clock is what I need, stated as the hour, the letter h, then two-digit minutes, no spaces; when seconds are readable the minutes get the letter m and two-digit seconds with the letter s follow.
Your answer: 8h51m59s
